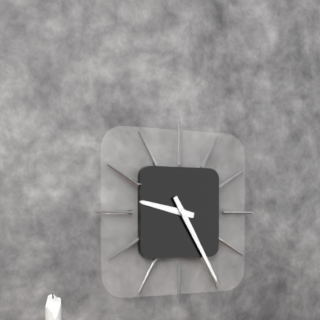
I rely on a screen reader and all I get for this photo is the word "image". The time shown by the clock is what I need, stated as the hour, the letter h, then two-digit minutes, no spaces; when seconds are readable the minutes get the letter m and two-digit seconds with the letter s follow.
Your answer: 9h25
